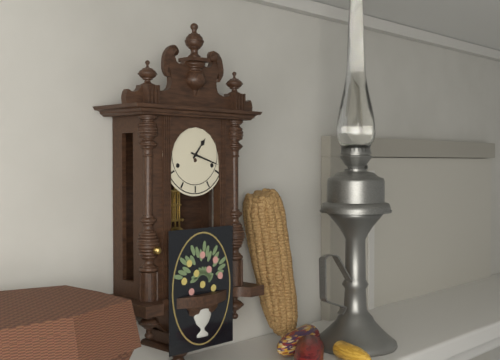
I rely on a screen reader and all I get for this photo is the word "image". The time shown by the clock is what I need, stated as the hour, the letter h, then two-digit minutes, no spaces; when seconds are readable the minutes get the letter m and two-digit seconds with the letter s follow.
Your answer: 1h18
